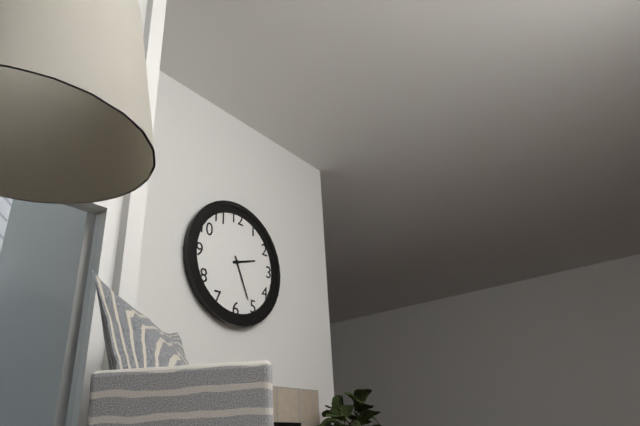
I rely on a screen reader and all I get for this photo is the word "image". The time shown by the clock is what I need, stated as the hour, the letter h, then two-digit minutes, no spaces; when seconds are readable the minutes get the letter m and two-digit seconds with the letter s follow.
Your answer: 2h26
